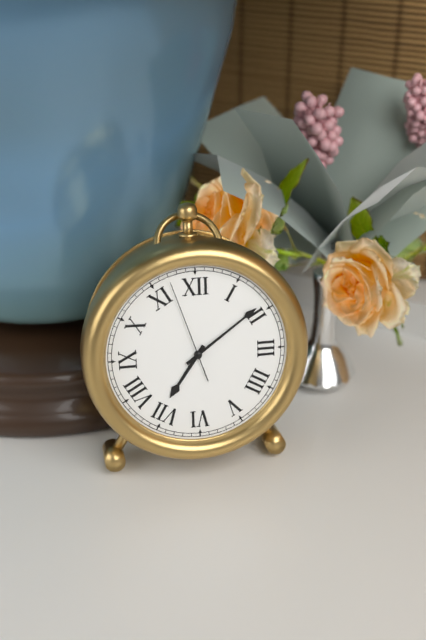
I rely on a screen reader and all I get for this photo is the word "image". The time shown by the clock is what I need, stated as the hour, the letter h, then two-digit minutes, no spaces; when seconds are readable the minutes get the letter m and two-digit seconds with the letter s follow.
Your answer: 7h09m57s
